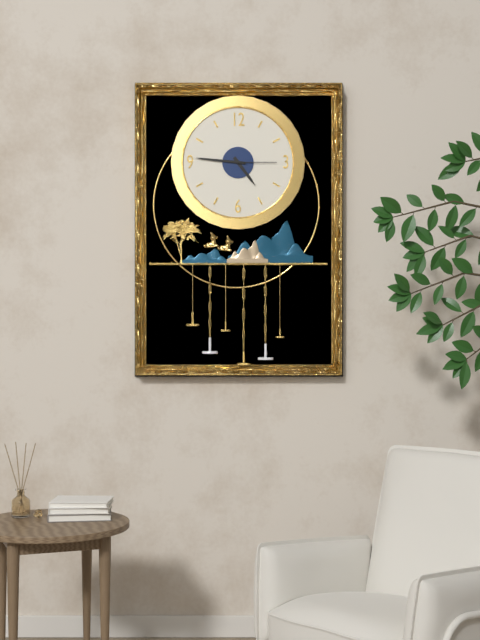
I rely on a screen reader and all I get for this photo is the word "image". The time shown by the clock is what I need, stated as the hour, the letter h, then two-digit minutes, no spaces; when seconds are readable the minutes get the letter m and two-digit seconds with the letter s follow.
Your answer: 4h46
